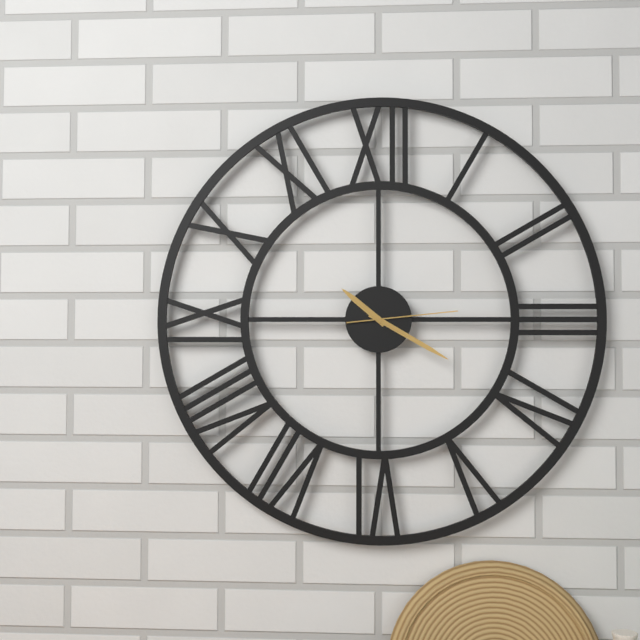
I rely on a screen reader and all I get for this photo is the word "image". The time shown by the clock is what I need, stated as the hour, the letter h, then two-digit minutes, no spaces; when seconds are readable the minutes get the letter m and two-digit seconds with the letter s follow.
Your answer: 10h20m14s
